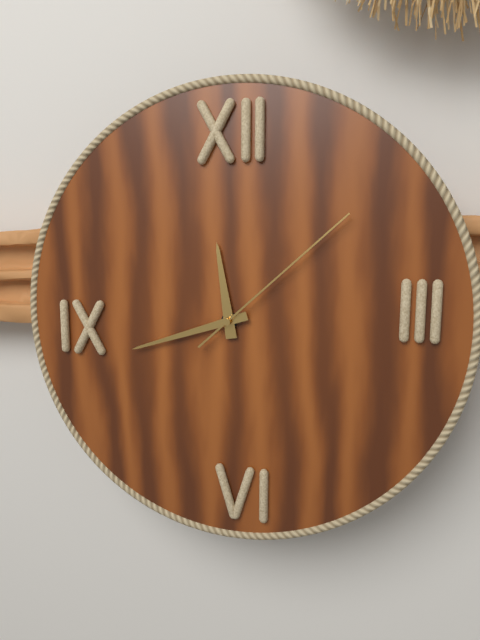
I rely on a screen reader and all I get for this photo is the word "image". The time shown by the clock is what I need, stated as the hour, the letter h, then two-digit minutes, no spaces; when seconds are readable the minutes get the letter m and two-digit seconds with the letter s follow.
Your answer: 11h42m08s
